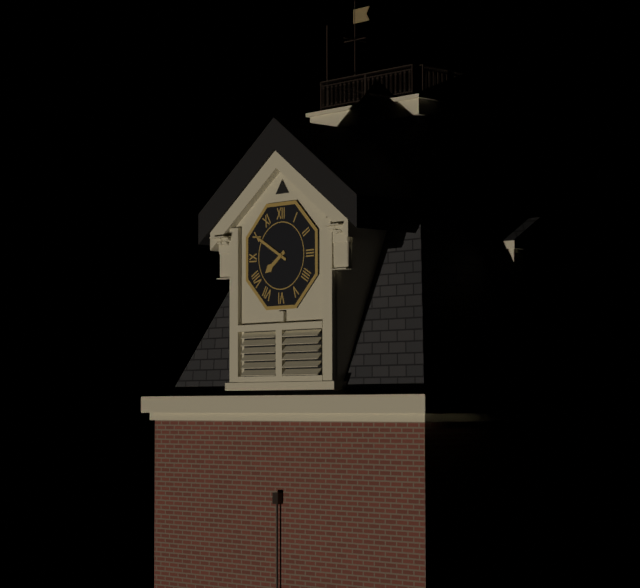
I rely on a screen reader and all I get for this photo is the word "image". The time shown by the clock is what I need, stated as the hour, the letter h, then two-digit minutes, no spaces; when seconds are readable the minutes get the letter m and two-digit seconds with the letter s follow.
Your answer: 7h50
